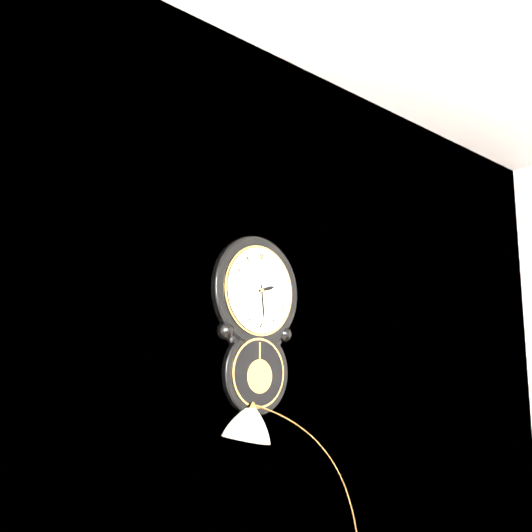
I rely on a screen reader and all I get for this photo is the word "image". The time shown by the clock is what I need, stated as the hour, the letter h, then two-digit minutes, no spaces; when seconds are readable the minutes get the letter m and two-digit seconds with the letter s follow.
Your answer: 2h29
